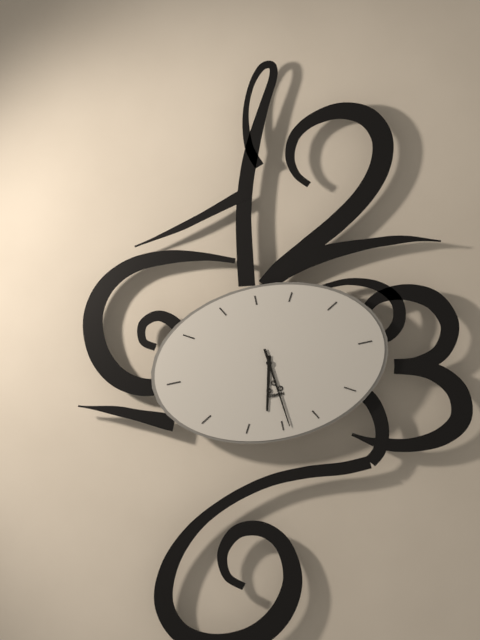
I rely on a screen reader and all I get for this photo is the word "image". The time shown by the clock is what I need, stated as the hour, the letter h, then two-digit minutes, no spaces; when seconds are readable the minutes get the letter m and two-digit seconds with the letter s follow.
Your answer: 6h29
